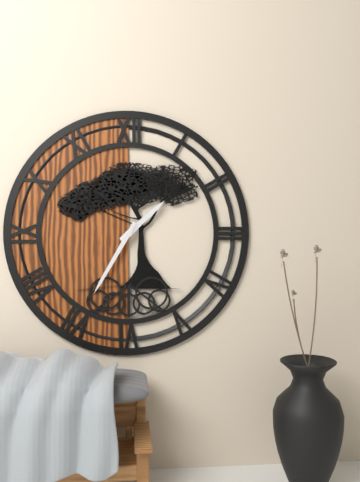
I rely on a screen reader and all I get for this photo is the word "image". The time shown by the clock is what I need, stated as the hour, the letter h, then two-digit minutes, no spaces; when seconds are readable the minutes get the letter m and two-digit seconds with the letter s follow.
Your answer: 1h35
